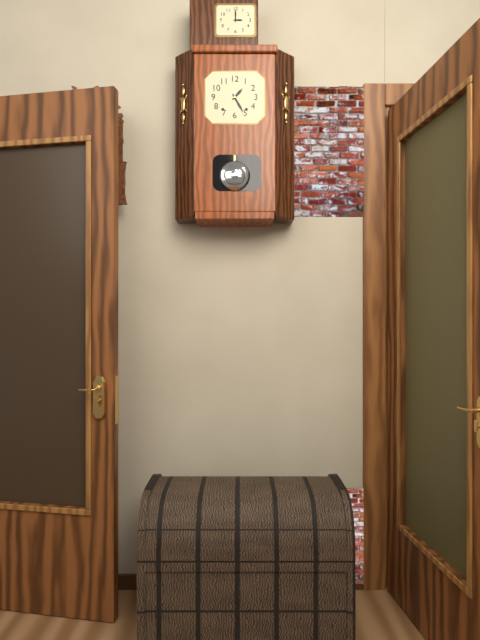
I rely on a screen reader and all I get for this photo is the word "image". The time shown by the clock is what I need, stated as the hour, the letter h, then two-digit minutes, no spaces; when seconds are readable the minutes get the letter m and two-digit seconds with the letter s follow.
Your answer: 1h25
